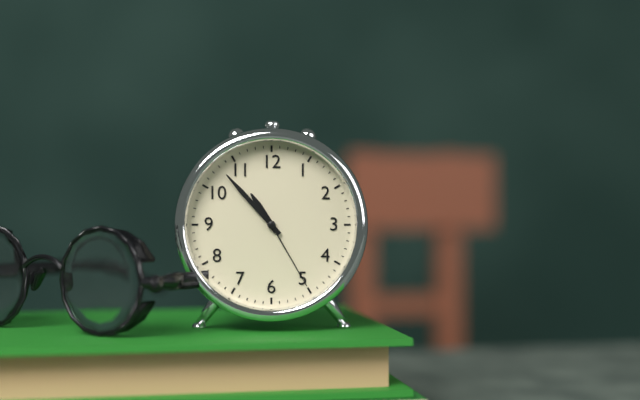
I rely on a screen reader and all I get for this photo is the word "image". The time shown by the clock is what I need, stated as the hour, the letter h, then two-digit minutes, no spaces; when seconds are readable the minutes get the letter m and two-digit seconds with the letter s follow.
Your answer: 10h53m25s
